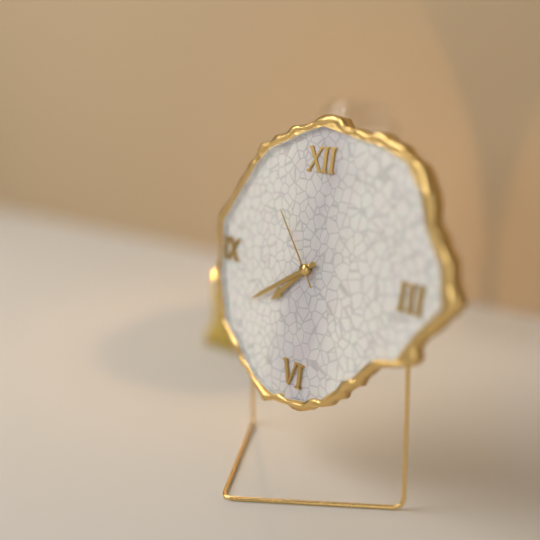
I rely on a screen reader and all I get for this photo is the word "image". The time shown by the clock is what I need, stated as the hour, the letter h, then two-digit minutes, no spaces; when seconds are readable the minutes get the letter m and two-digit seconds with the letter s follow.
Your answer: 7h40m53s
